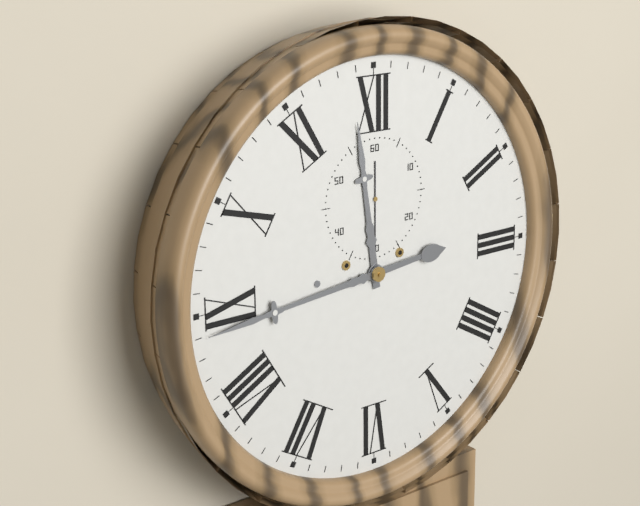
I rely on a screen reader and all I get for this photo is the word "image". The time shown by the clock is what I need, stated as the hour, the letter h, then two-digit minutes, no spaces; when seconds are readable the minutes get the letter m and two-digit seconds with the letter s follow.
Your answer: 11h44m30s
